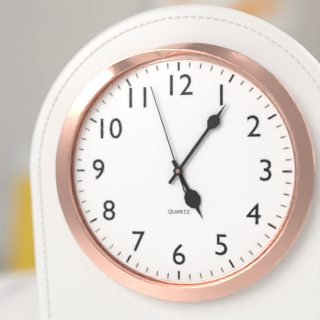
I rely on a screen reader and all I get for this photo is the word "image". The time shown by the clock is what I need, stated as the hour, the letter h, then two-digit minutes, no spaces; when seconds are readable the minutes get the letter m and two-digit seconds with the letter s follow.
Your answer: 5h06m57s
